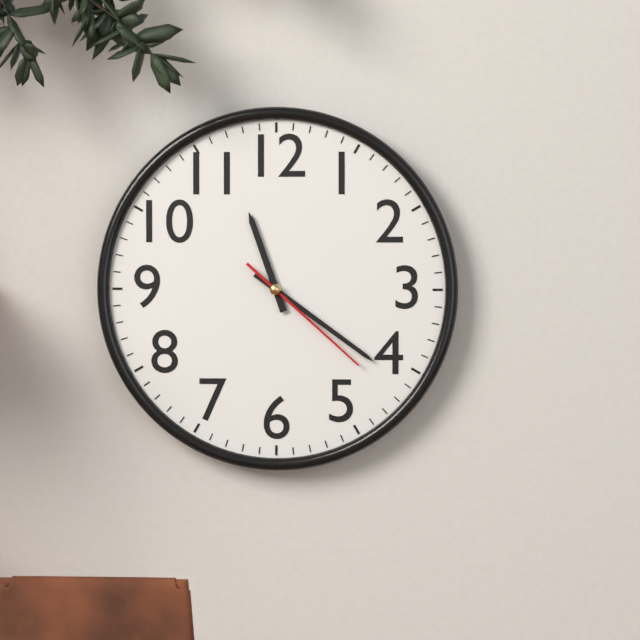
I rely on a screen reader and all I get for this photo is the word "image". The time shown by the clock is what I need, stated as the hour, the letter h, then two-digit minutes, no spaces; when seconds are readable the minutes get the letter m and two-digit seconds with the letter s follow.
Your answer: 11h21m22s
